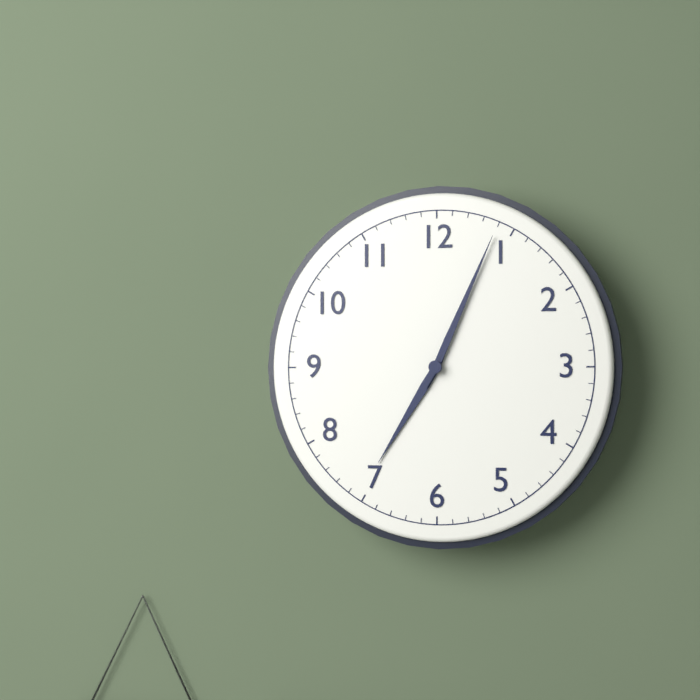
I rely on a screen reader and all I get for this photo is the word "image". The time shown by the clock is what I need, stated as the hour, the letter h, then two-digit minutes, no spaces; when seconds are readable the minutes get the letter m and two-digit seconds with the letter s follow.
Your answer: 7h04
